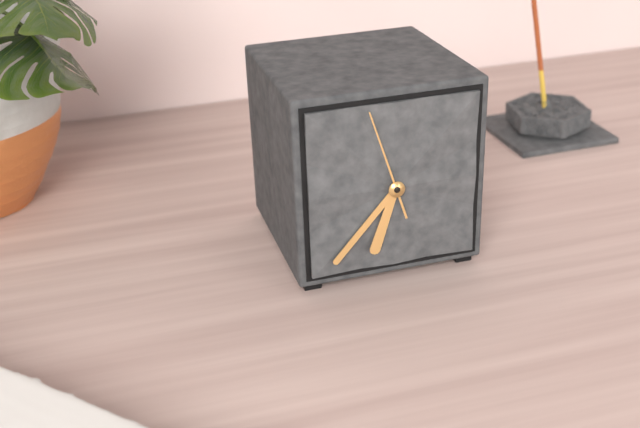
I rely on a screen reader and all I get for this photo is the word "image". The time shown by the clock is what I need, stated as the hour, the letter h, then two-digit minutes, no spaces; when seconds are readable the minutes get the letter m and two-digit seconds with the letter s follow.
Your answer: 6h37m57s
